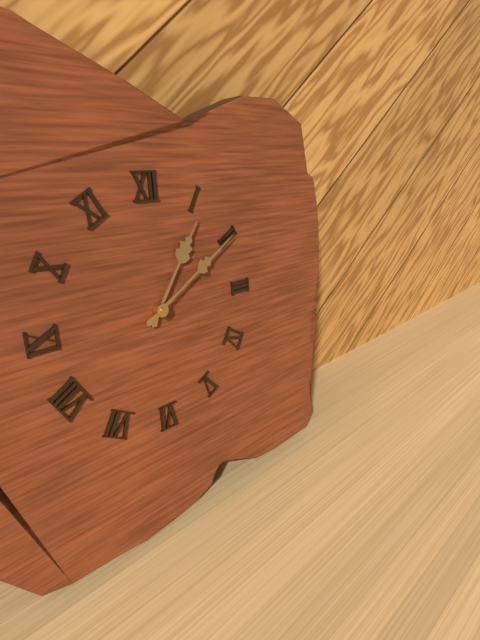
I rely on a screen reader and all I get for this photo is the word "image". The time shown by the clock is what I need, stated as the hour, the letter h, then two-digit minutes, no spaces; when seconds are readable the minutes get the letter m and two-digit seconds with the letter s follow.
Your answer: 1h10
